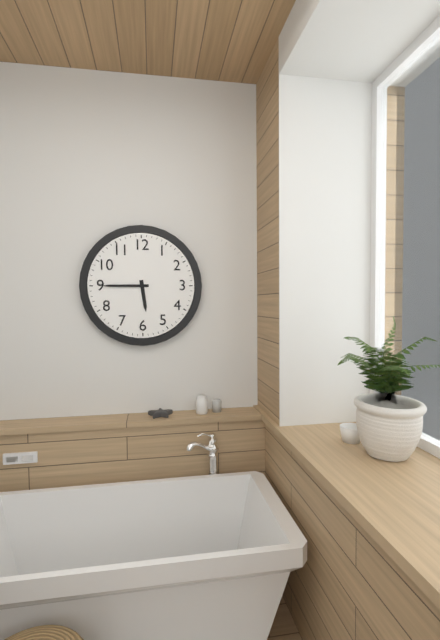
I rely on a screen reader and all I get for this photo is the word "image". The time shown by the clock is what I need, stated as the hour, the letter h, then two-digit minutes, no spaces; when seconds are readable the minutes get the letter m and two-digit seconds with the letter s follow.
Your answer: 5h45
